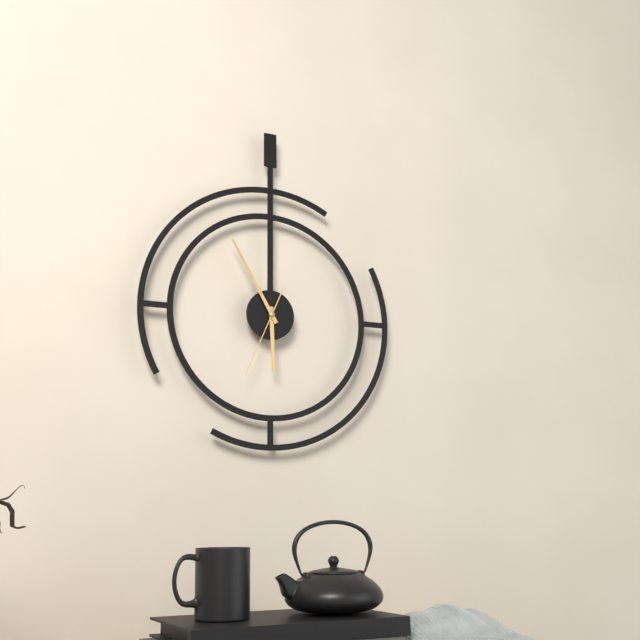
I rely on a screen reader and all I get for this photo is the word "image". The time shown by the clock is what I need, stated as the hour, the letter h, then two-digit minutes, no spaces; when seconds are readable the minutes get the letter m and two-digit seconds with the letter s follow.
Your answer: 5h55m34s
